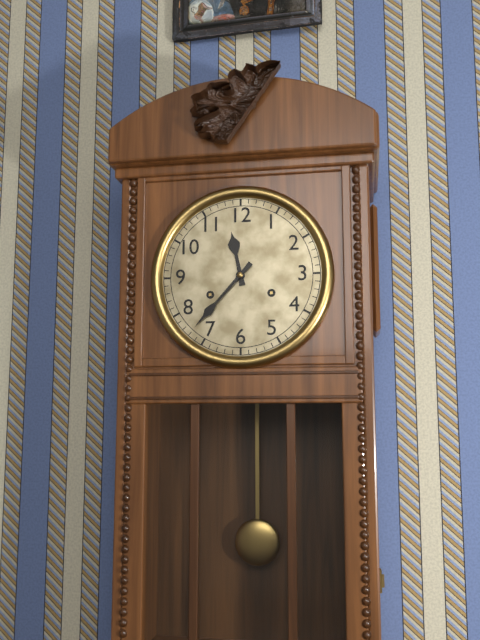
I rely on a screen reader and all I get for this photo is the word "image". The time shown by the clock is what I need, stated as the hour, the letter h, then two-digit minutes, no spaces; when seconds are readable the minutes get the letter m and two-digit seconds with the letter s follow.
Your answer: 11h37
